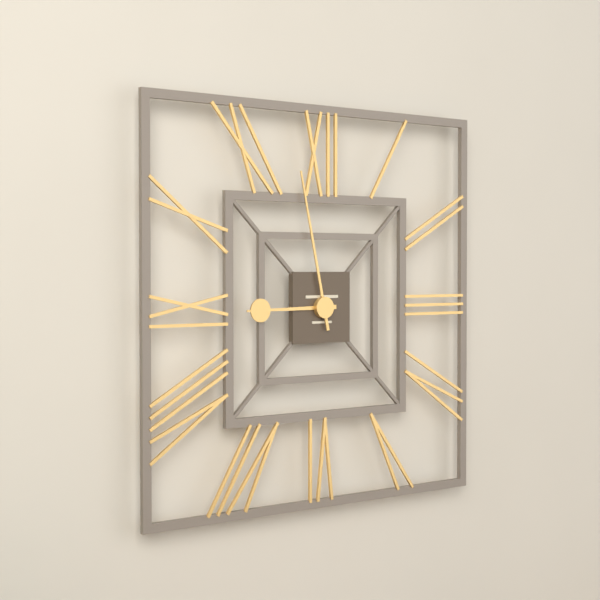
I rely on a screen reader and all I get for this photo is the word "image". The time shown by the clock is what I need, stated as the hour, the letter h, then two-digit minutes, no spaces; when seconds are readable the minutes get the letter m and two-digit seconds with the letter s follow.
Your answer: 8h58
